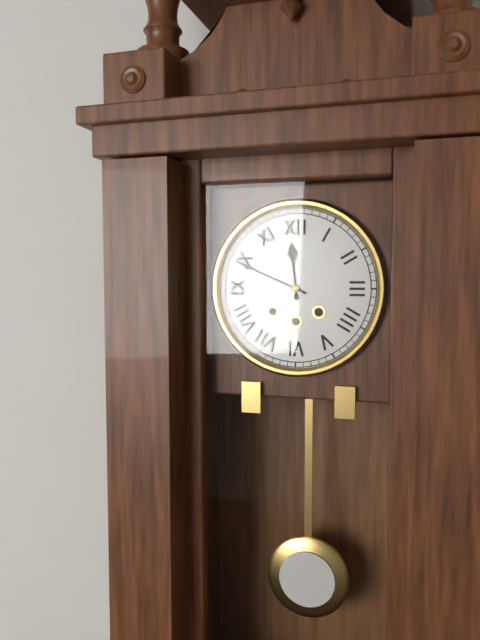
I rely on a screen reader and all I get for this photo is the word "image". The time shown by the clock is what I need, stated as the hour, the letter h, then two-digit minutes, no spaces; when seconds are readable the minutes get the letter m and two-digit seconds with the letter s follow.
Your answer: 11h49
